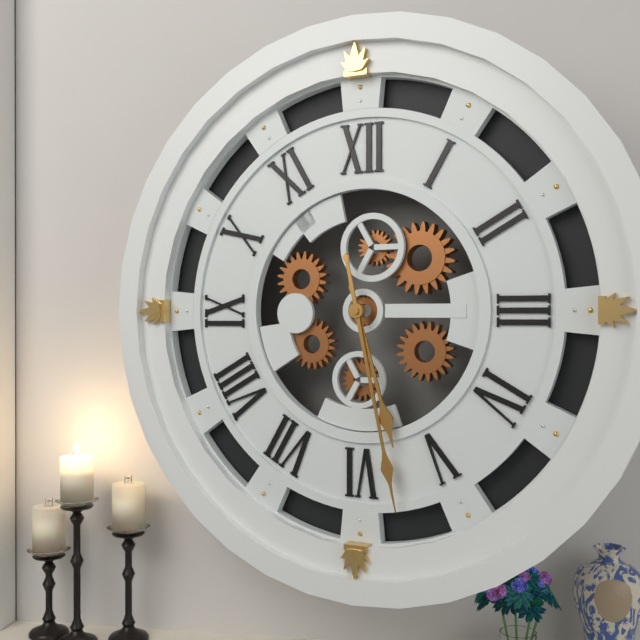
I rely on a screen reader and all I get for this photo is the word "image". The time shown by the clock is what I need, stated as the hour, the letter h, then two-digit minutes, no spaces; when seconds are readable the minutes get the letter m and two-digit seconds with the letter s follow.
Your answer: 5h28
